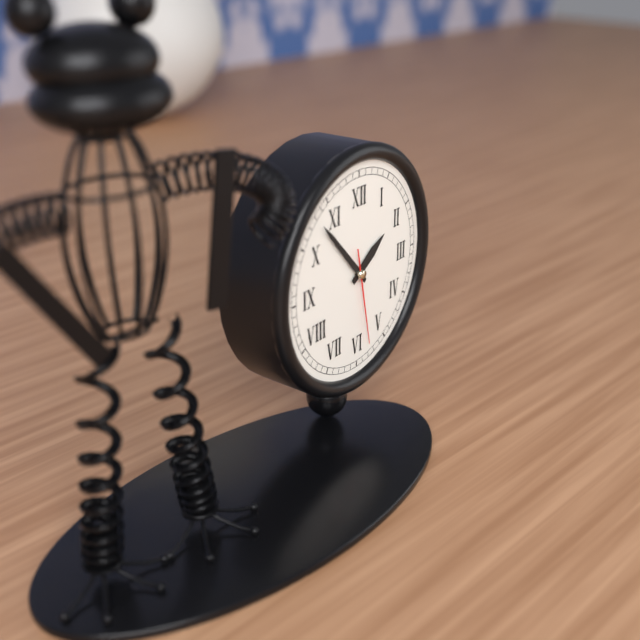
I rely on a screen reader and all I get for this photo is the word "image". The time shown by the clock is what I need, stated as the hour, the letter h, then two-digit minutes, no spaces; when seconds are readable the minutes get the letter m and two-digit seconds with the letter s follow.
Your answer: 1h53m28s
